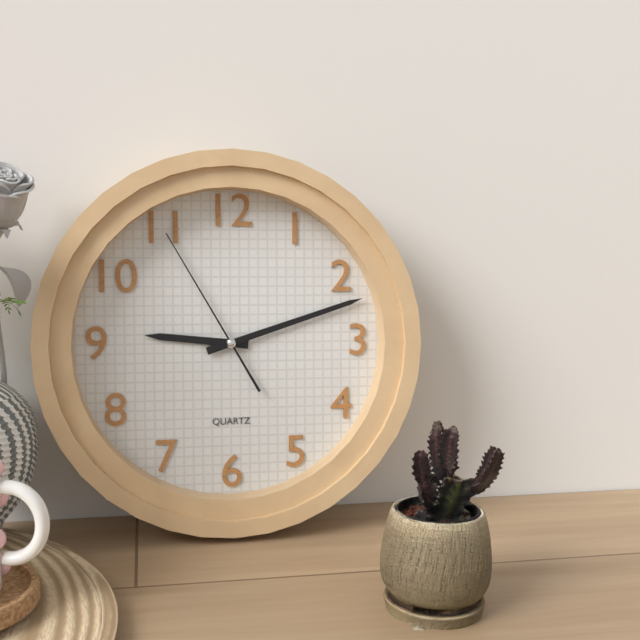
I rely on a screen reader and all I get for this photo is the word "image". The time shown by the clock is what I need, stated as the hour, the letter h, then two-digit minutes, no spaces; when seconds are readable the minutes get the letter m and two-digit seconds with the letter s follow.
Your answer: 9h12m55s
